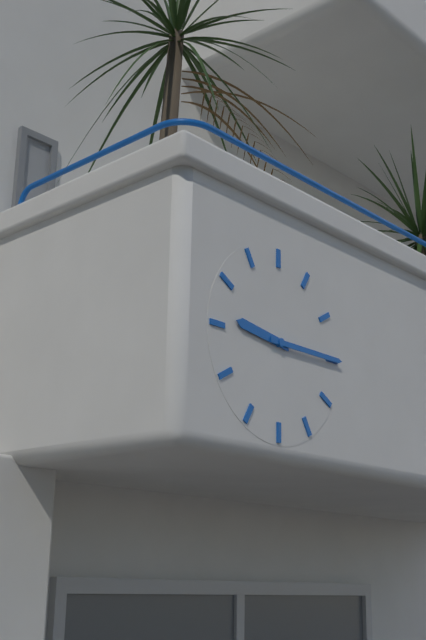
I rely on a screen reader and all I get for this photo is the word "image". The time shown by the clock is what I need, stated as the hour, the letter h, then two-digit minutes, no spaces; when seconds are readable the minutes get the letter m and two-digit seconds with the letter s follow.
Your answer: 9h15
